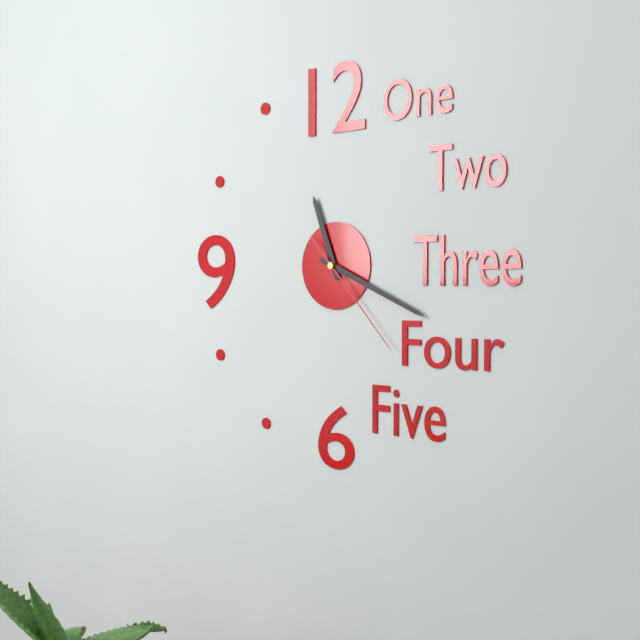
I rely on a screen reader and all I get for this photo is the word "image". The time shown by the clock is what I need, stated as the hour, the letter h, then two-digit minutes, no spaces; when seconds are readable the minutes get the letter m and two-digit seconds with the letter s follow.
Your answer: 11h19m23s
